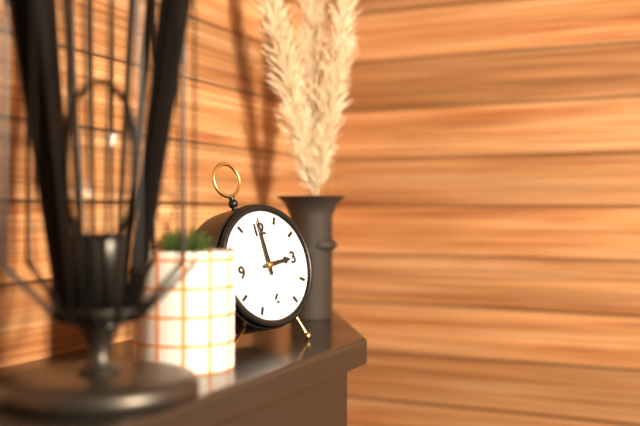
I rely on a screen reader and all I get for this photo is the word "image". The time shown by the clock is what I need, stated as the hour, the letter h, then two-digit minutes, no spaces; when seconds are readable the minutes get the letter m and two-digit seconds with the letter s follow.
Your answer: 3h00
